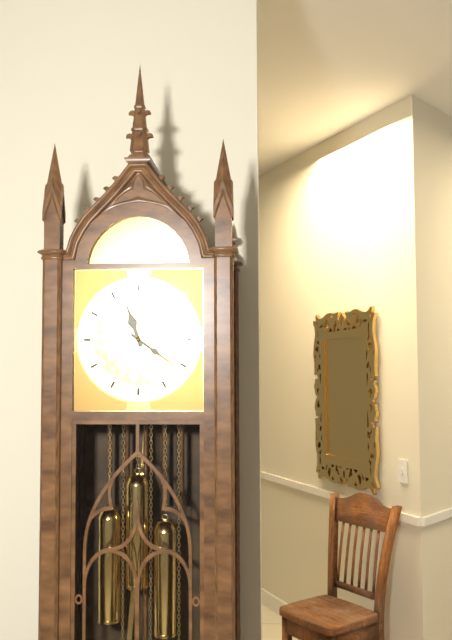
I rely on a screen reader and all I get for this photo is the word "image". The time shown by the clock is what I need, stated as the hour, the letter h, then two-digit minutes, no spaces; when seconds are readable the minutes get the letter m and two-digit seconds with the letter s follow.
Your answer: 11h21
